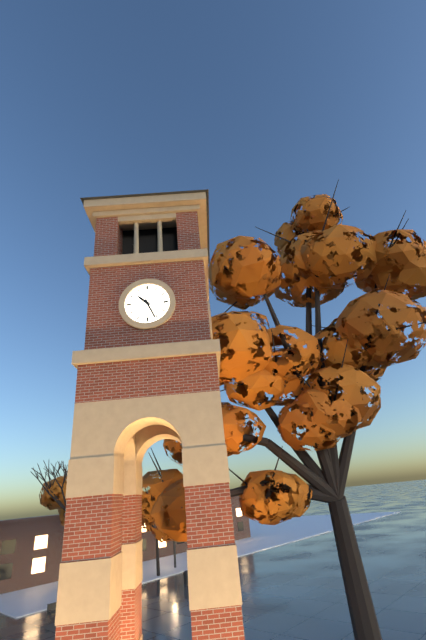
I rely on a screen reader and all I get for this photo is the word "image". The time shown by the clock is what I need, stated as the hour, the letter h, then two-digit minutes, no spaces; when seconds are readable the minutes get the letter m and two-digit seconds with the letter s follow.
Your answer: 10h26
